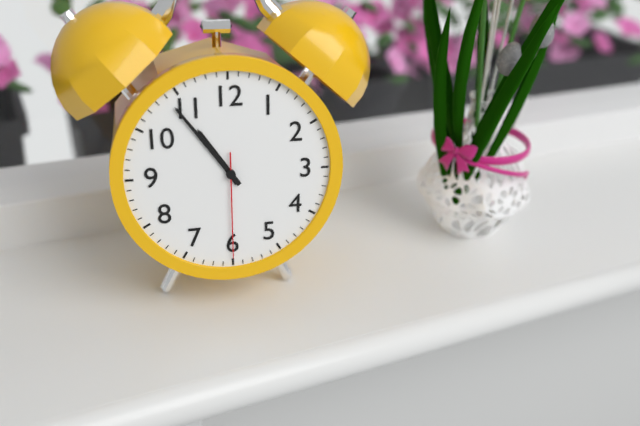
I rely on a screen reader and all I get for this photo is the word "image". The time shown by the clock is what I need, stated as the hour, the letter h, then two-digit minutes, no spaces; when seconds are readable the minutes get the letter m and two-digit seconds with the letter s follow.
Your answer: 10h54m30s
